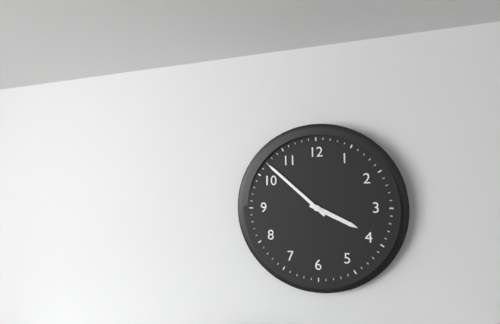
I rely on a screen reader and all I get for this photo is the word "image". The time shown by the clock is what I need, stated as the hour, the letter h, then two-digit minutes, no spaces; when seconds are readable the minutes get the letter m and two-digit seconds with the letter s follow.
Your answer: 3h52
